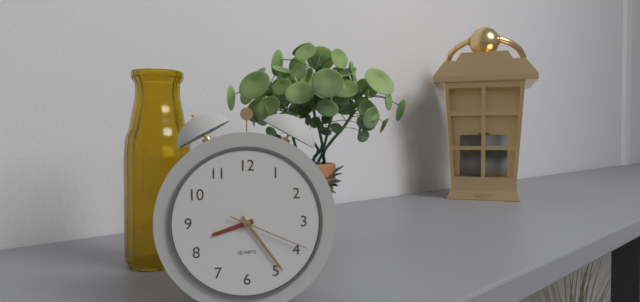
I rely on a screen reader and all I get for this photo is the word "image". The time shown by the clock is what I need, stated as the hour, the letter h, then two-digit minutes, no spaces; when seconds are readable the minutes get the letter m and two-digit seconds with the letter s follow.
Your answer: 8h24m19s
